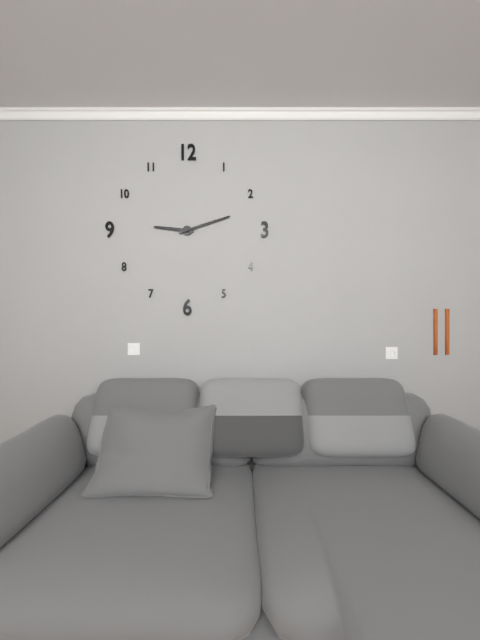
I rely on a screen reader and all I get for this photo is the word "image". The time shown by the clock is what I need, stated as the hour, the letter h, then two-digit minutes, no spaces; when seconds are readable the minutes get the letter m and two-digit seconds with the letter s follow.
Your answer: 9h12
